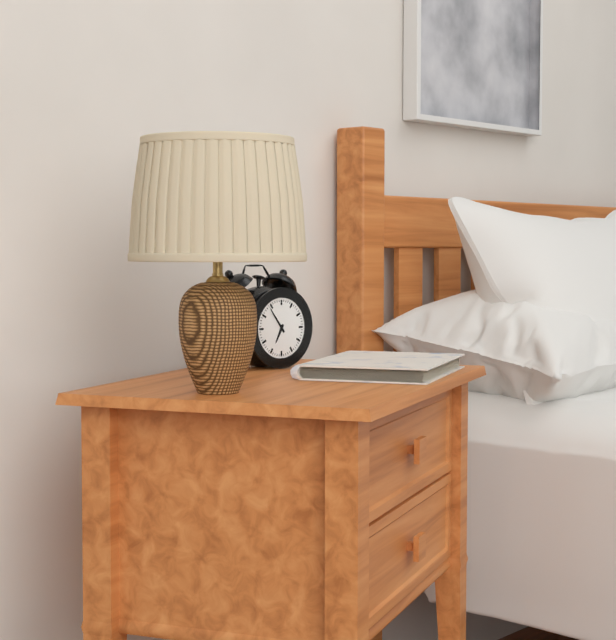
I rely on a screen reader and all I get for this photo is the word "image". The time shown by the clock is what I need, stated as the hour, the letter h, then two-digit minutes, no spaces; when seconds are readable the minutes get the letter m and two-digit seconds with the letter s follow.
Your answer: 6h54
